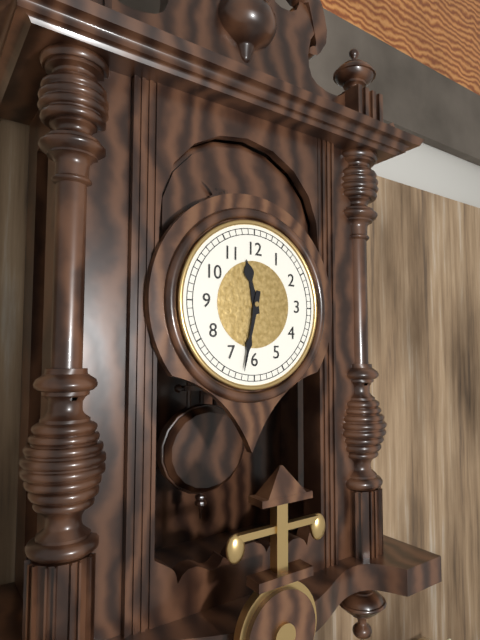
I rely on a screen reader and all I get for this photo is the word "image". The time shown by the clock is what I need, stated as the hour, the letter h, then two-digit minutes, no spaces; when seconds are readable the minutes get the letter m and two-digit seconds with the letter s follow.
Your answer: 11h32
